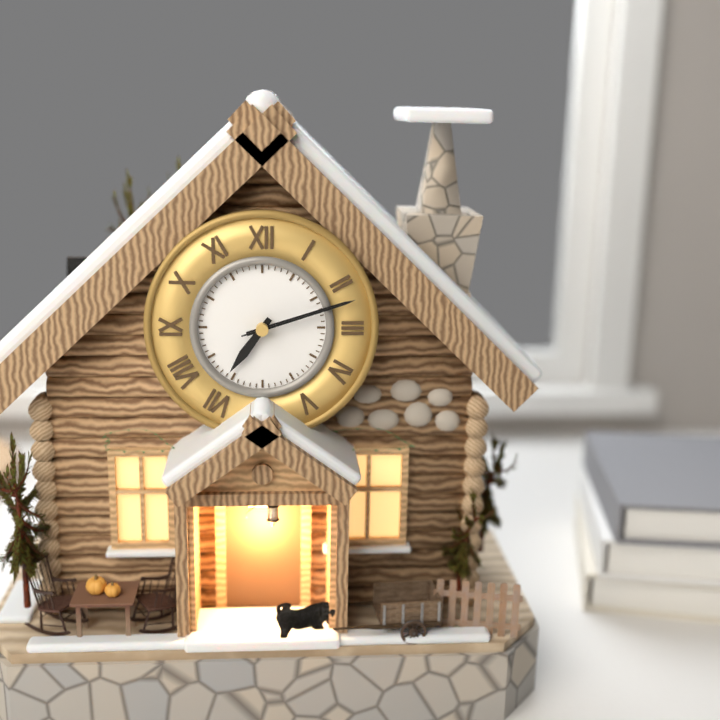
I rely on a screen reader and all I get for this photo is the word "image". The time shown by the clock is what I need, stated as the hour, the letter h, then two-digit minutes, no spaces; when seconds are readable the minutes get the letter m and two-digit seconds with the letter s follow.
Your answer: 7h12m12s
